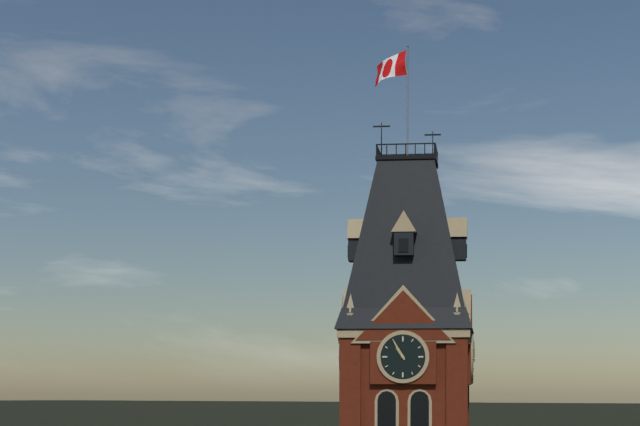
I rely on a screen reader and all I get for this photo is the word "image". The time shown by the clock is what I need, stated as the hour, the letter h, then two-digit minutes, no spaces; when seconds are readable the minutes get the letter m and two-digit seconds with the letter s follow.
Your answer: 10h55
